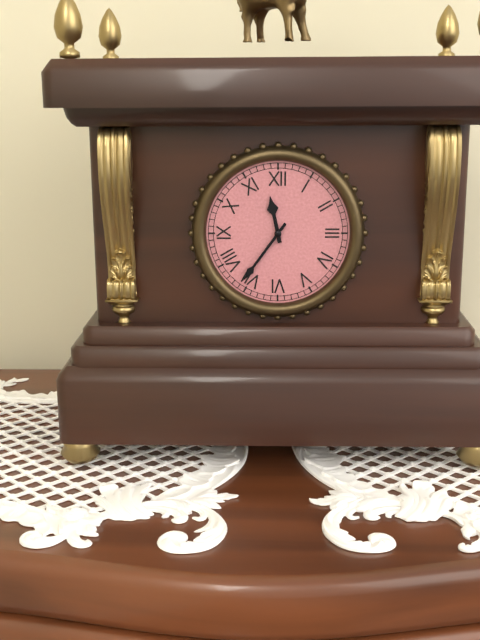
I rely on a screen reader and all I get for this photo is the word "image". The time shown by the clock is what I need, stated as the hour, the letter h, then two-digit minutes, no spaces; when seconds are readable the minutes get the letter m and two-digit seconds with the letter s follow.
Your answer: 11h36
